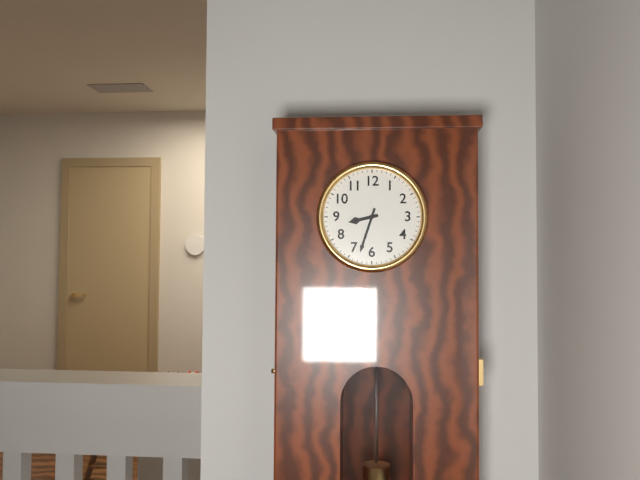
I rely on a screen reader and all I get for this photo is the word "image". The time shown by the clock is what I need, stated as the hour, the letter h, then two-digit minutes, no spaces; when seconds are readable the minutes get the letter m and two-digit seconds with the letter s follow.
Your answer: 8h33
